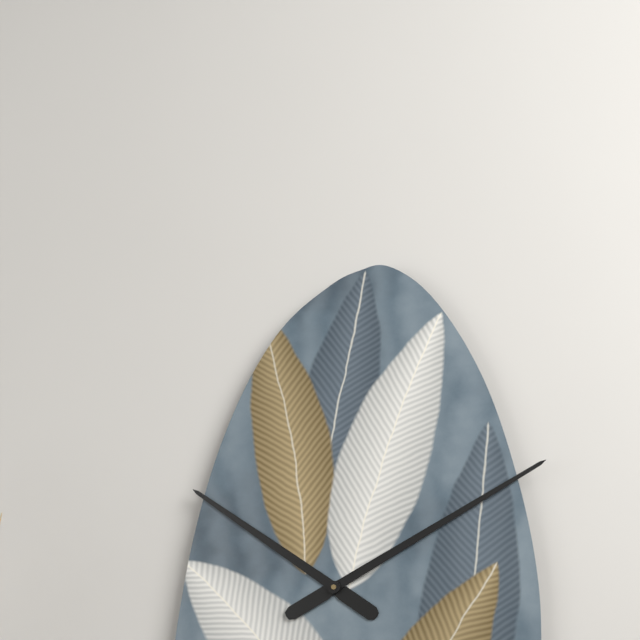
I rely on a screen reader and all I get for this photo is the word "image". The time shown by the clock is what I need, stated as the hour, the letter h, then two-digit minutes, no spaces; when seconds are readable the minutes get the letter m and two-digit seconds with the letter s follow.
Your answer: 10h10
